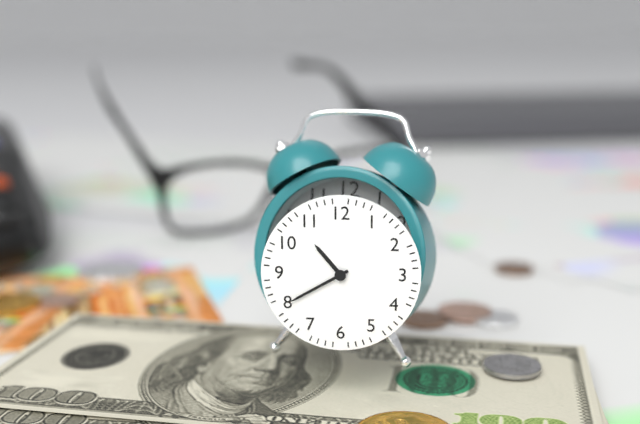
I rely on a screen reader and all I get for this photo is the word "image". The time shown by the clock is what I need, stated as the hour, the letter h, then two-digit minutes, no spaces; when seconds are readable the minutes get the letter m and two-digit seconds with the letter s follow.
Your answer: 10h40
